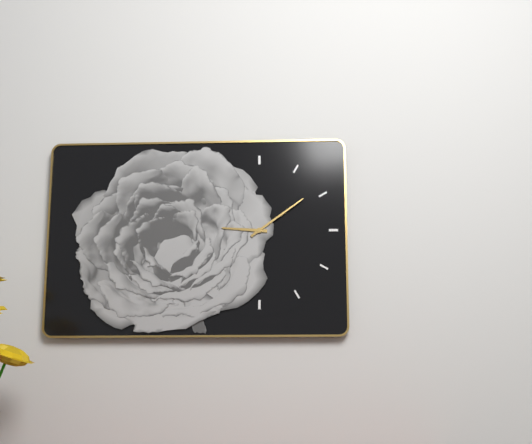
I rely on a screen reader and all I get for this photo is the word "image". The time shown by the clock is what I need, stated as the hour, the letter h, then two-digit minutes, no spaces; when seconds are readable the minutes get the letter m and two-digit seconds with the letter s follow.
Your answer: 9h09
